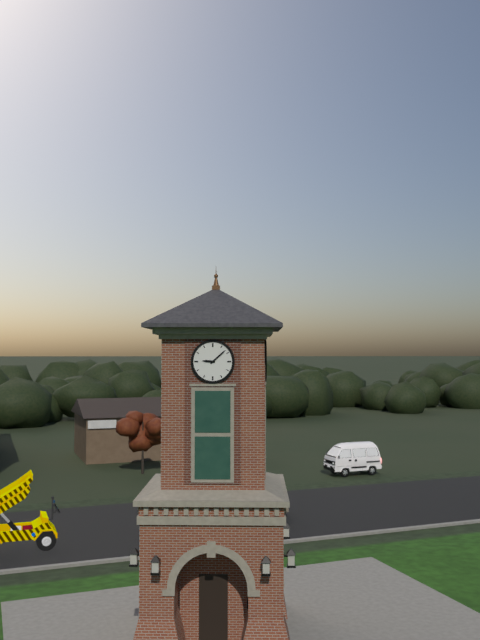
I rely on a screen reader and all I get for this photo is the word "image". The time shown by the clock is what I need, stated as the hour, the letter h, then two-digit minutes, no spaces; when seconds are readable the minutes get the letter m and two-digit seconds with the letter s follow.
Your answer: 9h08
